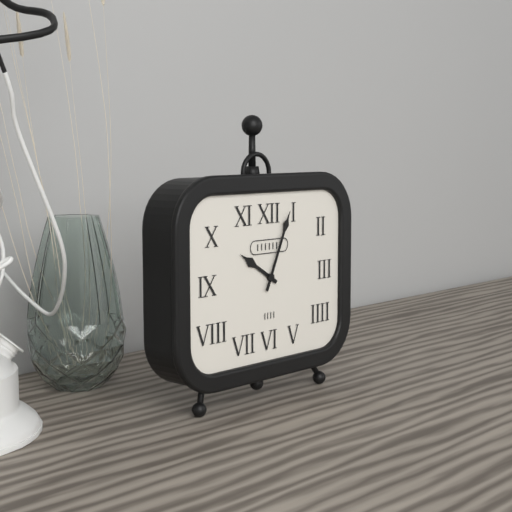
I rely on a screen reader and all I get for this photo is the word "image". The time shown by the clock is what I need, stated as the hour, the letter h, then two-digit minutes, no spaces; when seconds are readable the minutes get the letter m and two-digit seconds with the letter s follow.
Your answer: 10h04
